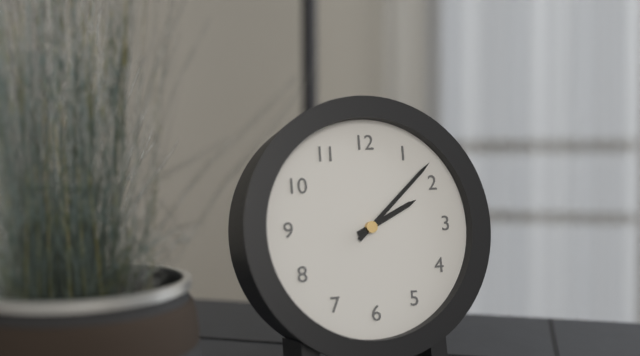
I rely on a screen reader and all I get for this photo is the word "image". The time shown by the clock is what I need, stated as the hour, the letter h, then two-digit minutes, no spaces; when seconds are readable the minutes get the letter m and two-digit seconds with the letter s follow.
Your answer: 2h08
